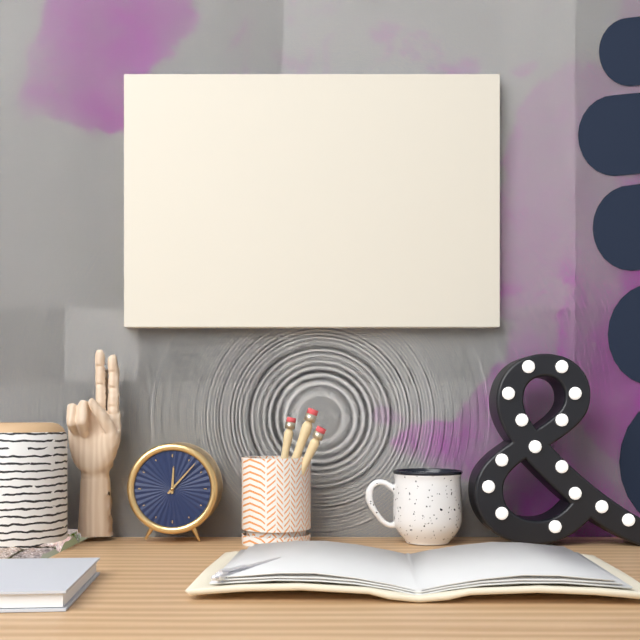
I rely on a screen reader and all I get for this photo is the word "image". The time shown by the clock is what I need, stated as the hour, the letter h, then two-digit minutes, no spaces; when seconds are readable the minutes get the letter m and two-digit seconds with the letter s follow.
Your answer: 12h07
